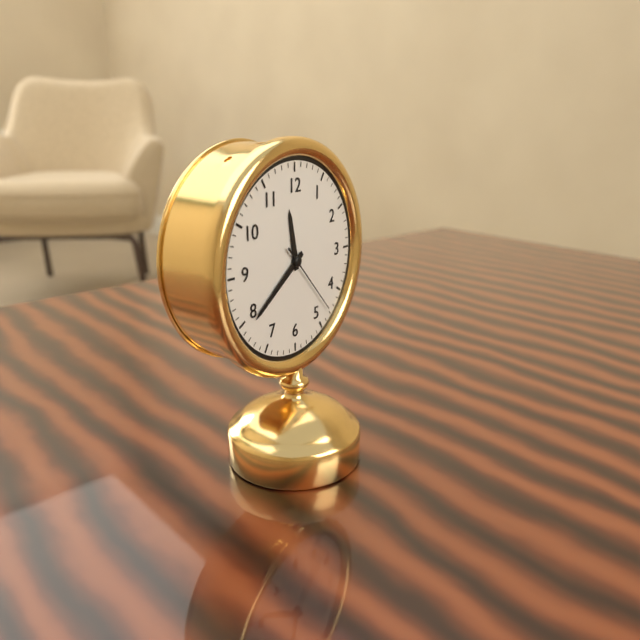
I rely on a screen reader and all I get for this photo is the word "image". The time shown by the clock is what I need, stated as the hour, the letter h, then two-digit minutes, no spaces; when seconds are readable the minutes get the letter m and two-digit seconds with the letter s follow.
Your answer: 11h39m23s
